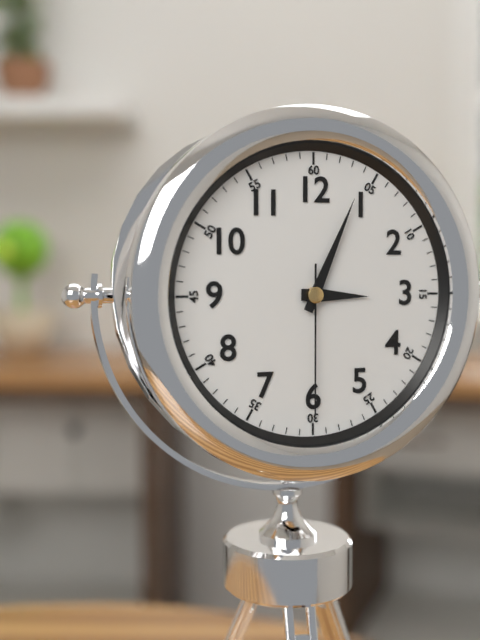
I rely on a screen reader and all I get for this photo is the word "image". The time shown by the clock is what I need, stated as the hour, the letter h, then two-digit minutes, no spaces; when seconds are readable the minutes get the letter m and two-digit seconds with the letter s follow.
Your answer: 3h04m30s
